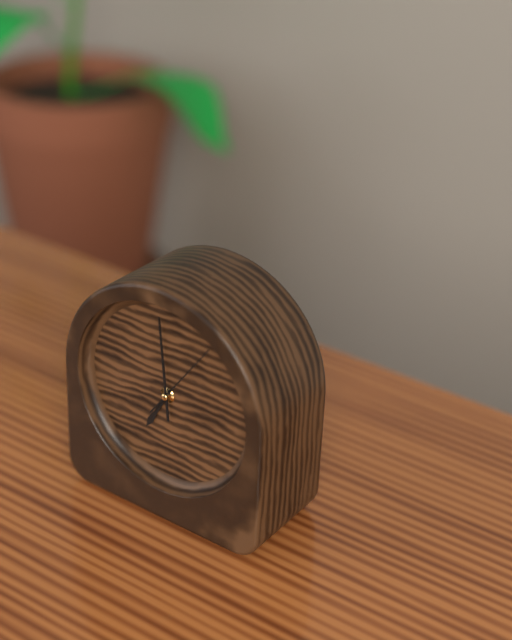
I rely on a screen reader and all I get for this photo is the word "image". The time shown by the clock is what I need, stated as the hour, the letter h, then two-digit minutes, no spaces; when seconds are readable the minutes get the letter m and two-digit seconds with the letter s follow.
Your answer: 6h59m06s
